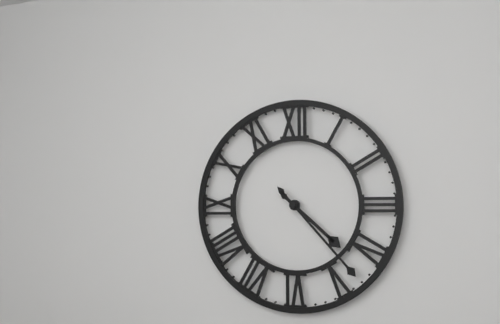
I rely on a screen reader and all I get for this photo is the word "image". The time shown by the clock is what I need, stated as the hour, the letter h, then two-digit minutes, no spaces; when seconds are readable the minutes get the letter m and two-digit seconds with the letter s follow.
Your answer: 4h23
